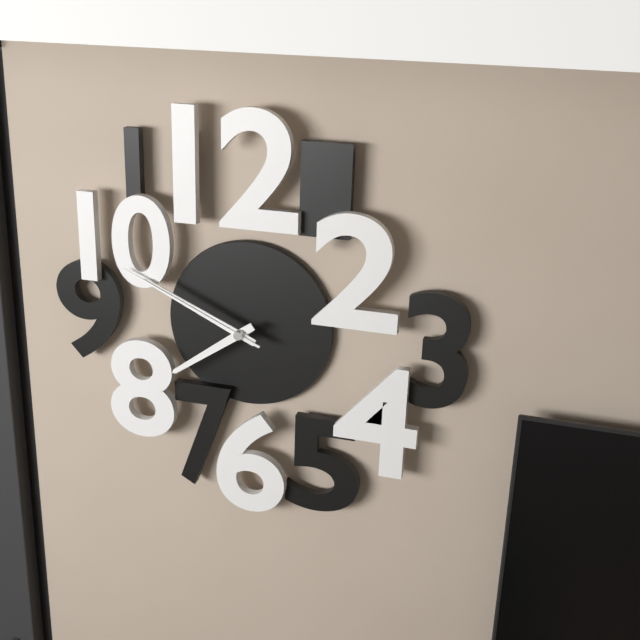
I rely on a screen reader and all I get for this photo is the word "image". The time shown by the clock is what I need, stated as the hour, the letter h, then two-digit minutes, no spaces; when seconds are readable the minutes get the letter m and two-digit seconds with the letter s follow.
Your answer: 7h49m49s
